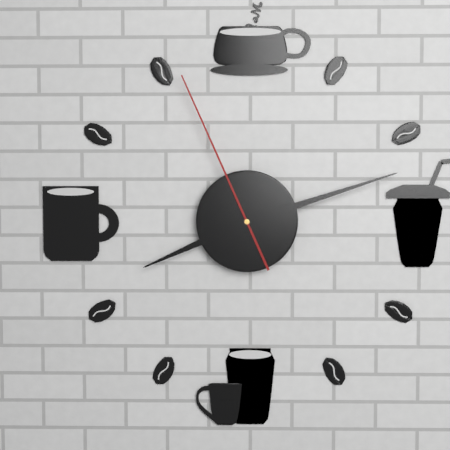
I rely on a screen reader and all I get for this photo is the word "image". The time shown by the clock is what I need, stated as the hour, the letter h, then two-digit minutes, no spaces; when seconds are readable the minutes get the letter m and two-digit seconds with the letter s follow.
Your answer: 8h12m56s
